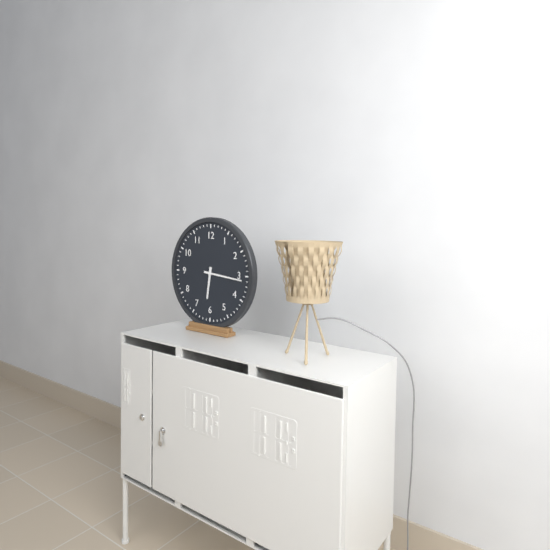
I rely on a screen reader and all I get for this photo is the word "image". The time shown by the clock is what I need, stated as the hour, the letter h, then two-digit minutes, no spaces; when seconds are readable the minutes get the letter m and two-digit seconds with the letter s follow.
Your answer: 6h16
